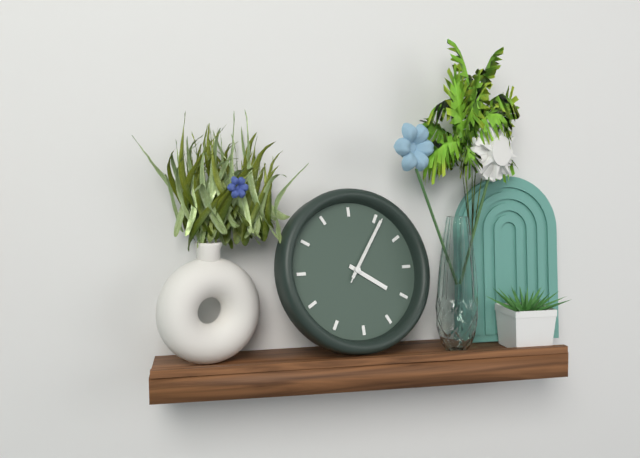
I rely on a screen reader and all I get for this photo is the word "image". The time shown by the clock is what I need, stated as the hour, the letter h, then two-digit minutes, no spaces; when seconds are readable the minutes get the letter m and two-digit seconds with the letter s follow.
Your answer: 4h06m06s
